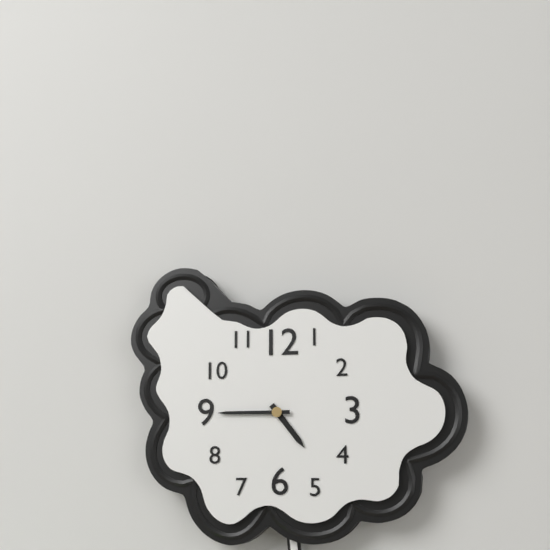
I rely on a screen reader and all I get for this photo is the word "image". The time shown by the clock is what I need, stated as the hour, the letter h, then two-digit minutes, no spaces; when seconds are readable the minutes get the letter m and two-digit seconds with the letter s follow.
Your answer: 4h45
